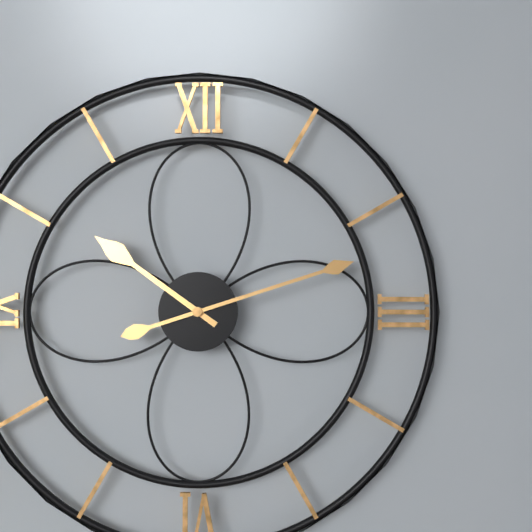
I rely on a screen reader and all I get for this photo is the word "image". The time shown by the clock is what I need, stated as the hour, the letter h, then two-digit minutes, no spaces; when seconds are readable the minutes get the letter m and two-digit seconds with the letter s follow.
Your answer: 10h12
